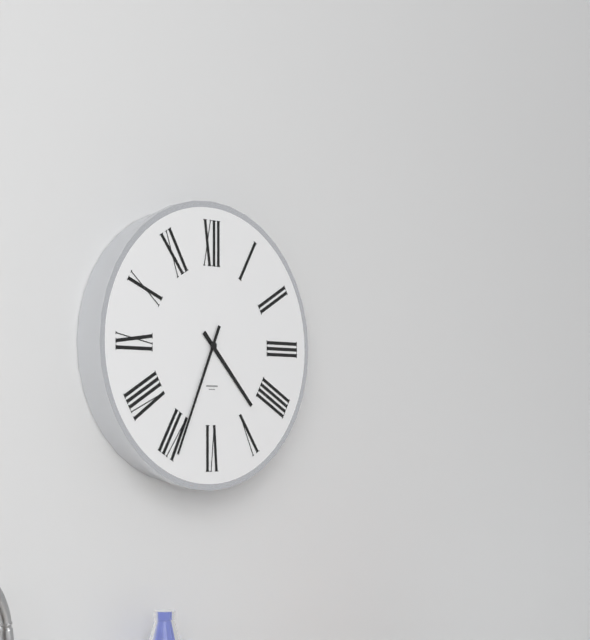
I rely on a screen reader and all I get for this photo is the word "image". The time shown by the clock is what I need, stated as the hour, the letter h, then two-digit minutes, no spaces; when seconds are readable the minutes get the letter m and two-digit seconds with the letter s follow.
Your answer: 4h34
